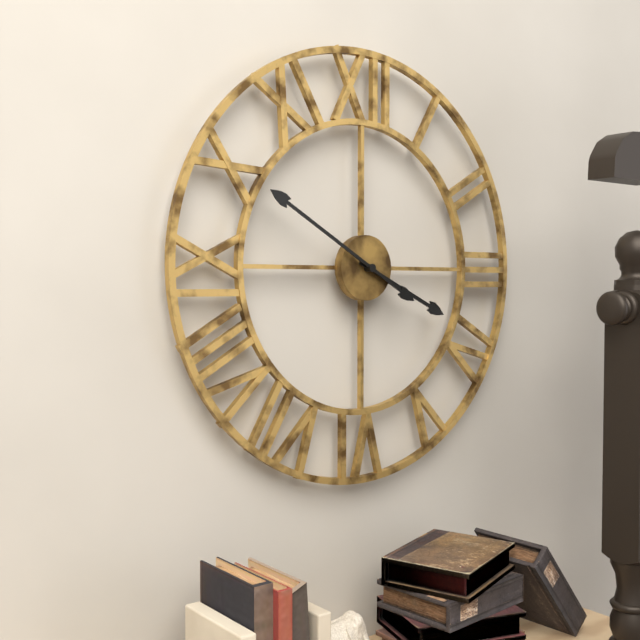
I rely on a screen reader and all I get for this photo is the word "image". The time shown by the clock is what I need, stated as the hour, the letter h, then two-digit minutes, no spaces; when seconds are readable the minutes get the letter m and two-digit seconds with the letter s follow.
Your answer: 3h50
